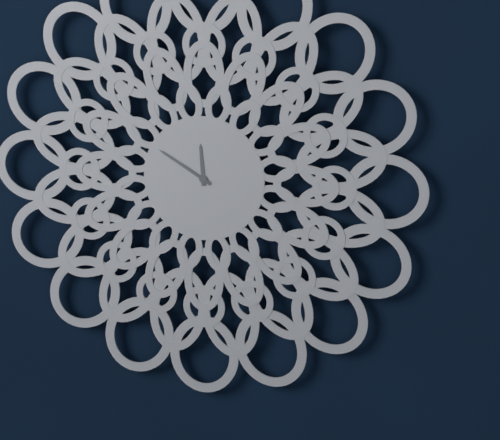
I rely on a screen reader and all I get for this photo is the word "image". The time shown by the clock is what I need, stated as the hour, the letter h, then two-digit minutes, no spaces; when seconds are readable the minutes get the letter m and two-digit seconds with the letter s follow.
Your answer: 11h50
